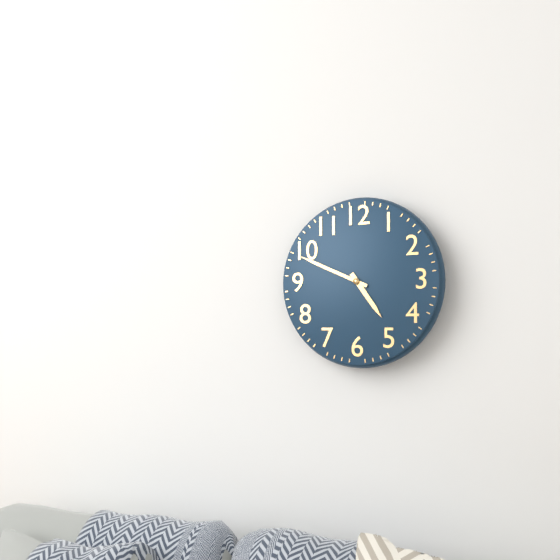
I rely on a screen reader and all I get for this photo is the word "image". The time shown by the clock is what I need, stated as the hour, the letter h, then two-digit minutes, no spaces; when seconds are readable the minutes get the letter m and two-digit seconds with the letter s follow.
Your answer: 4h49
